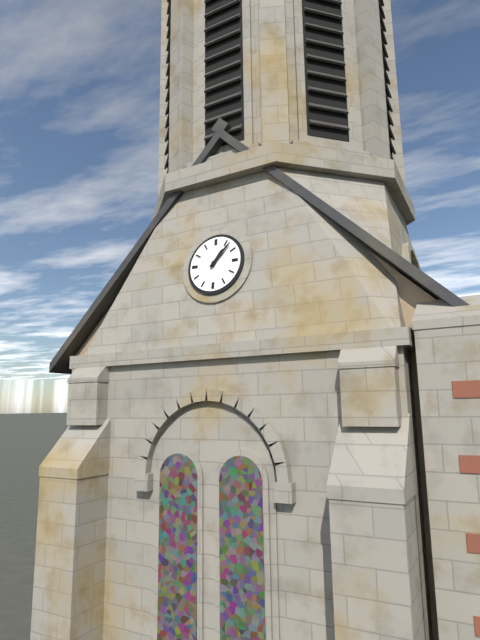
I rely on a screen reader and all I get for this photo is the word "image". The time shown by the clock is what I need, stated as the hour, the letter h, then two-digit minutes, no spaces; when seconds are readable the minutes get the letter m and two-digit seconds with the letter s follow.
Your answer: 1h07
